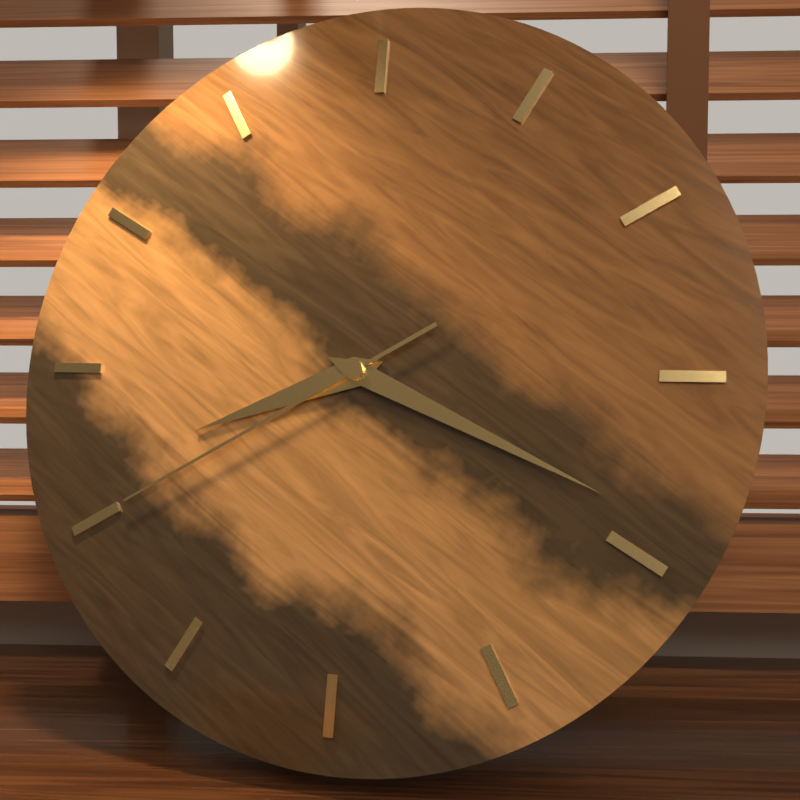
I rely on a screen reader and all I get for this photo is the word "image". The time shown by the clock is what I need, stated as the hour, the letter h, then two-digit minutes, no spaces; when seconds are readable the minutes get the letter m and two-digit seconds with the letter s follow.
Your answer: 8h19m40s
